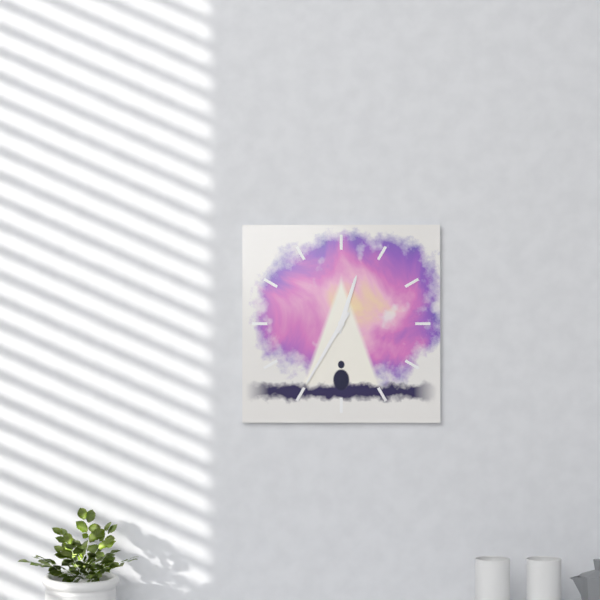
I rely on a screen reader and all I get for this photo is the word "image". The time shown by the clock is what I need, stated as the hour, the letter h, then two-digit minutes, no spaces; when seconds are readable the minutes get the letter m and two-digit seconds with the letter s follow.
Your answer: 12h35
